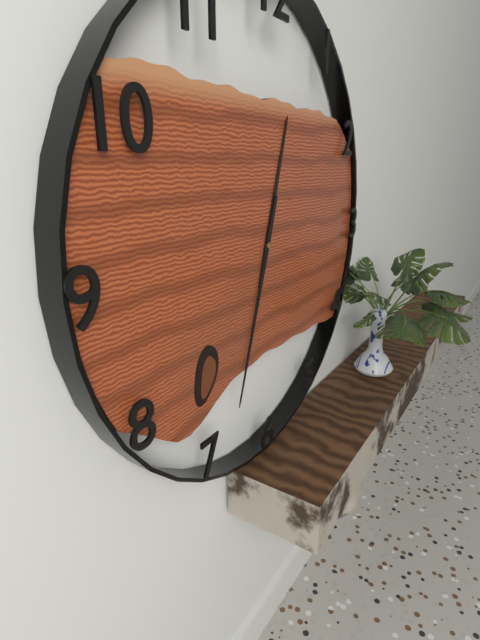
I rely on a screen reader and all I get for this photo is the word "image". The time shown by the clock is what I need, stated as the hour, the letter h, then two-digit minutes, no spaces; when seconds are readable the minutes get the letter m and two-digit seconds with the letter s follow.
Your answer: 12h33
